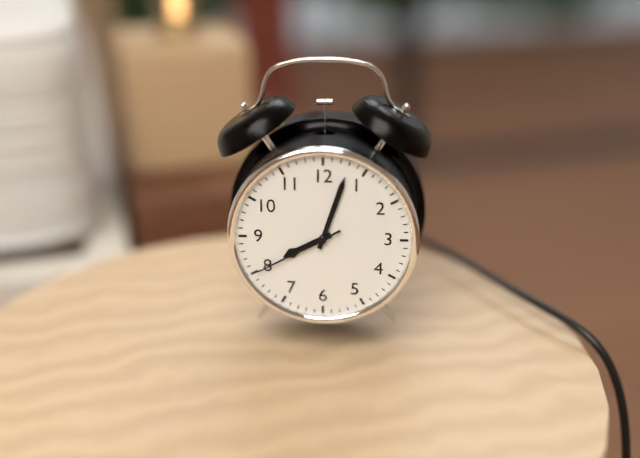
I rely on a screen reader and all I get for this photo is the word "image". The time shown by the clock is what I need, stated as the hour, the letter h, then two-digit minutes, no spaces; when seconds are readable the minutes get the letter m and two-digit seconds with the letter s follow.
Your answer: 8h03m40s
